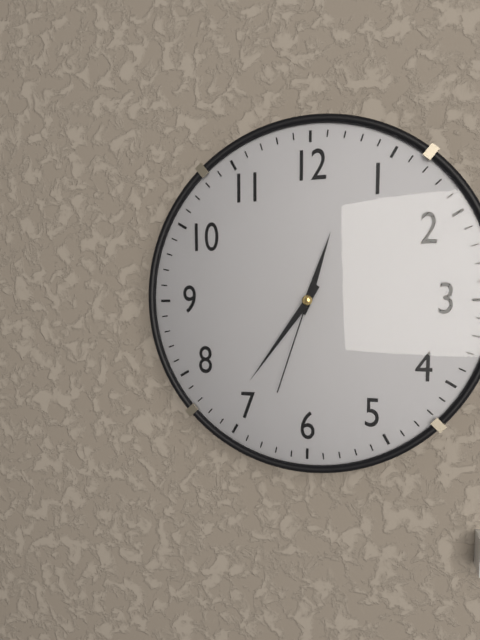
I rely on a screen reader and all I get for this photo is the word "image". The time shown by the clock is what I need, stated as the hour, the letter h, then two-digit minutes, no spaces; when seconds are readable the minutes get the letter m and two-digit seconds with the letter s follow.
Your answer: 12h36m33s
